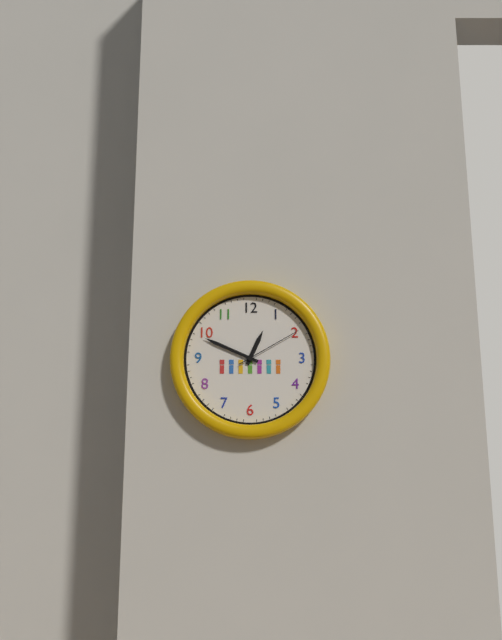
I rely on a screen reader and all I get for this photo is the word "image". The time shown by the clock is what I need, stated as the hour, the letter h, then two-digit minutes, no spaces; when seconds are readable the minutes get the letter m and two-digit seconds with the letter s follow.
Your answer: 12h49m10s
